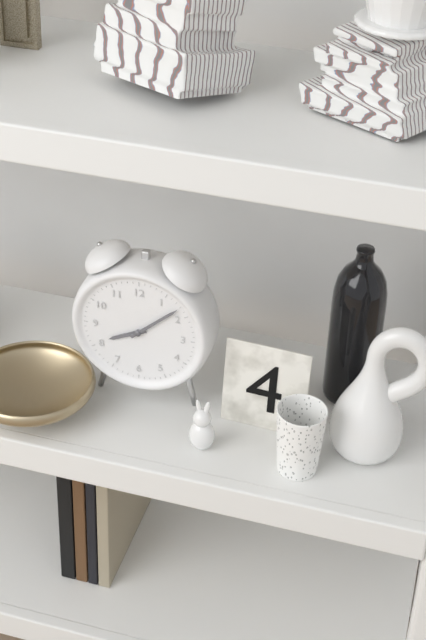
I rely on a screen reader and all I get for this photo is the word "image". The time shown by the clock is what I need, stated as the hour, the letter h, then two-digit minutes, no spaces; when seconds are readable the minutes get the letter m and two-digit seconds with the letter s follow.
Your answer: 8h08
